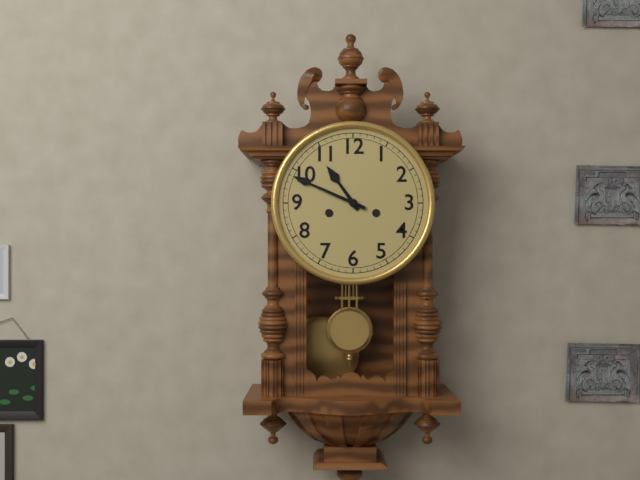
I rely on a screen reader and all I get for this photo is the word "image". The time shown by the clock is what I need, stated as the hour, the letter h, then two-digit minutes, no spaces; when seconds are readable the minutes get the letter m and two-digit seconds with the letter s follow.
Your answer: 10h49
